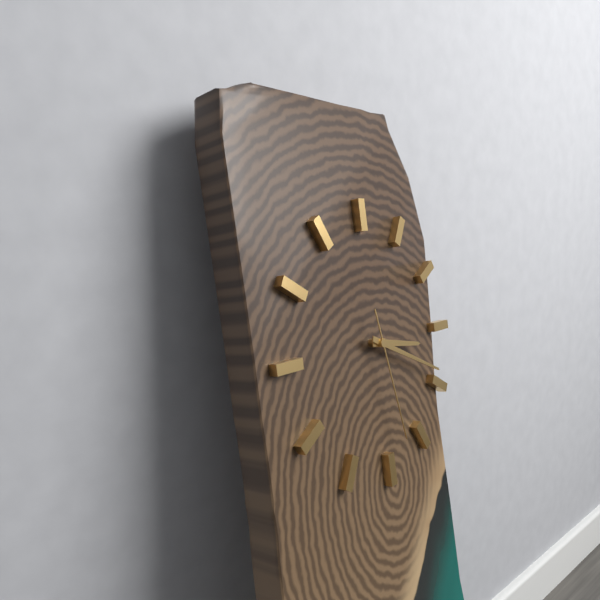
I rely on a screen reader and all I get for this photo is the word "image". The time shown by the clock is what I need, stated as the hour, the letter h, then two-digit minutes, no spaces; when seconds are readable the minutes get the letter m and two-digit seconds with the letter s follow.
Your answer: 3h19m28s
